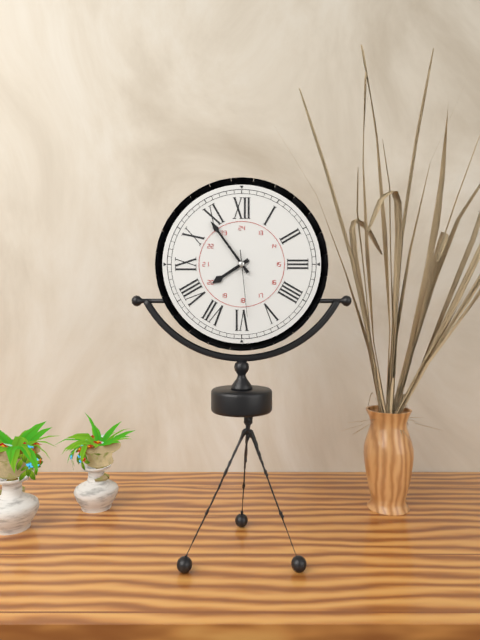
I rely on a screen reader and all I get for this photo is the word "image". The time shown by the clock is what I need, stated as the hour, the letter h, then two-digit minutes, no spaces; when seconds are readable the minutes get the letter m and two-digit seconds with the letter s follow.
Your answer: 7h54m29s
